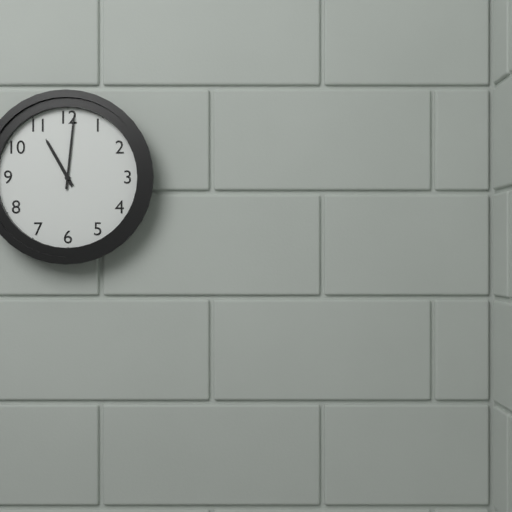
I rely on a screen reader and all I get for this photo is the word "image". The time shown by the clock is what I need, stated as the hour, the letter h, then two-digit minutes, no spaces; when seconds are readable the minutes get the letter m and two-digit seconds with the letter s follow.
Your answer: 11h01
